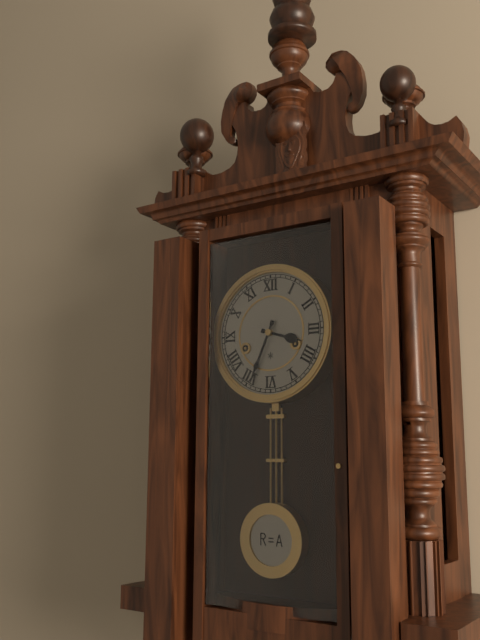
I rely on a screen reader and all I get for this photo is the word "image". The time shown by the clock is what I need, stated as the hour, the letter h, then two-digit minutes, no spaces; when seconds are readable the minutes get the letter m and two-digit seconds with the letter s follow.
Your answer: 3h34
